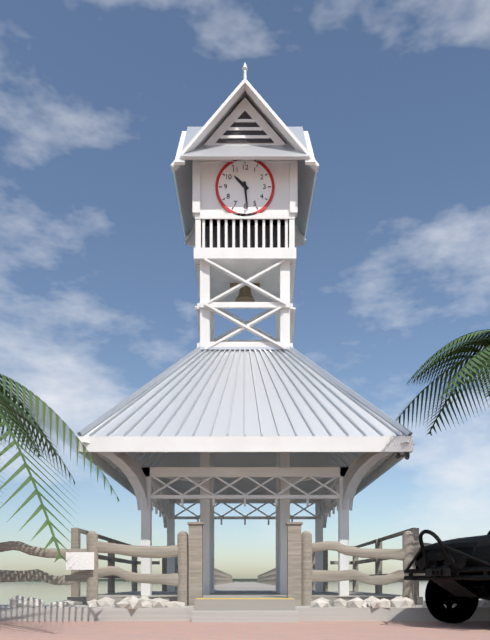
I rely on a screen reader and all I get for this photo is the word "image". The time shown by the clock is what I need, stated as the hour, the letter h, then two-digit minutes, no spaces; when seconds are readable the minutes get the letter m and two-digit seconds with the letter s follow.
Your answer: 10h29
